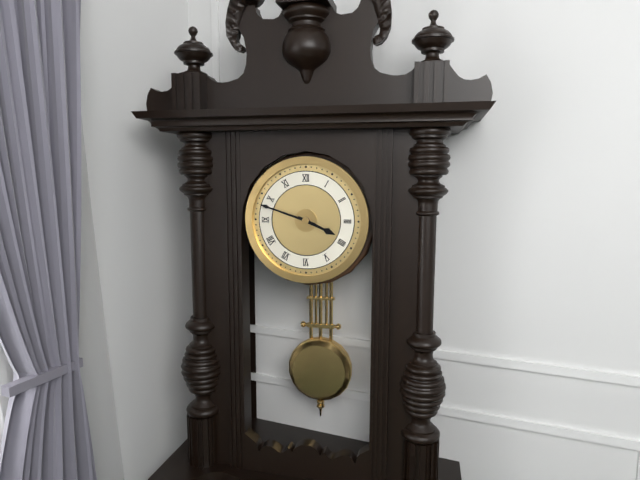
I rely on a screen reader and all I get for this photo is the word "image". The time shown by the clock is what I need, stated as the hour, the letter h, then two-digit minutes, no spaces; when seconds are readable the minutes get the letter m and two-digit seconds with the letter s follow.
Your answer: 3h48
